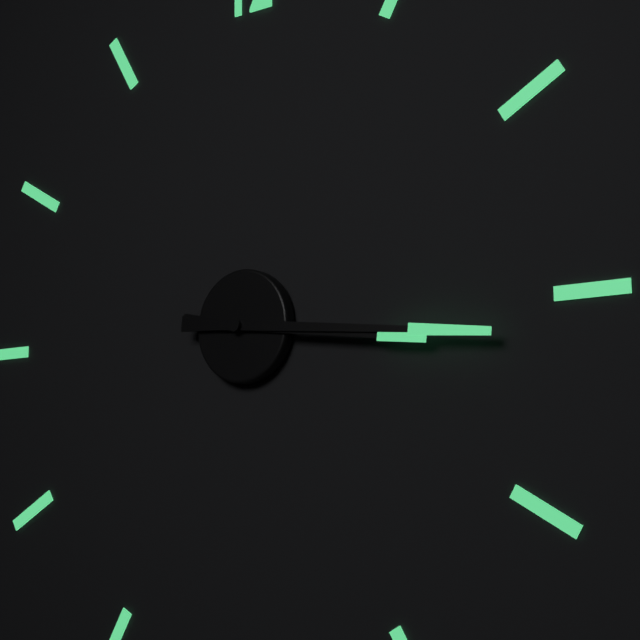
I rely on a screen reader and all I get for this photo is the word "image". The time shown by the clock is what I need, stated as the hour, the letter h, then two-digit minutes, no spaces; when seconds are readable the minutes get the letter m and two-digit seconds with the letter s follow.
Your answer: 3h16
